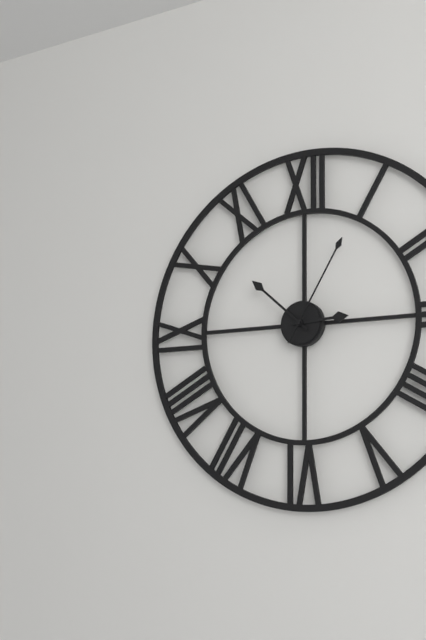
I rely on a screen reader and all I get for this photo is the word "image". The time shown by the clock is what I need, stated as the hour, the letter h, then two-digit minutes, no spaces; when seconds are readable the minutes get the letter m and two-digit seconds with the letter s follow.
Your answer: 2h52m05s
